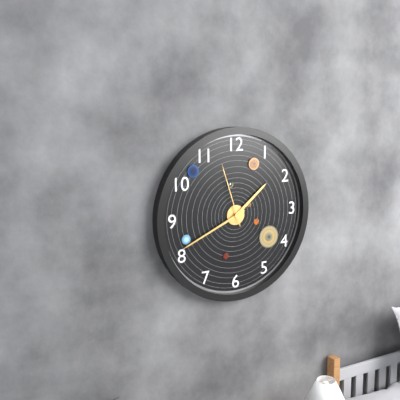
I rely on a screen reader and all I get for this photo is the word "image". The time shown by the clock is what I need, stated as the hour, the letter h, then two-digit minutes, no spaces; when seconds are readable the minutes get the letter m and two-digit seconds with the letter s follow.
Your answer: 1h41m57s
